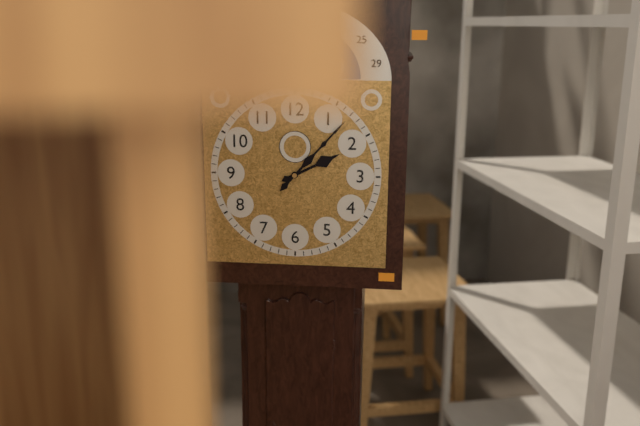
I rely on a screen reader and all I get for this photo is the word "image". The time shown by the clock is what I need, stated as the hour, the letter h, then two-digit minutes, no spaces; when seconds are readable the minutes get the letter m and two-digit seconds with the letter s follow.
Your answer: 2h07
